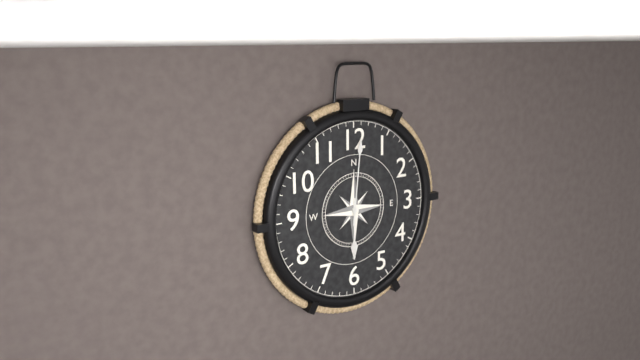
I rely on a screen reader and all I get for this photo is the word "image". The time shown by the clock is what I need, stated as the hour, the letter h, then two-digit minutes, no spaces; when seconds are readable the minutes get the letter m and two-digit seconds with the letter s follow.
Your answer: 6h01
